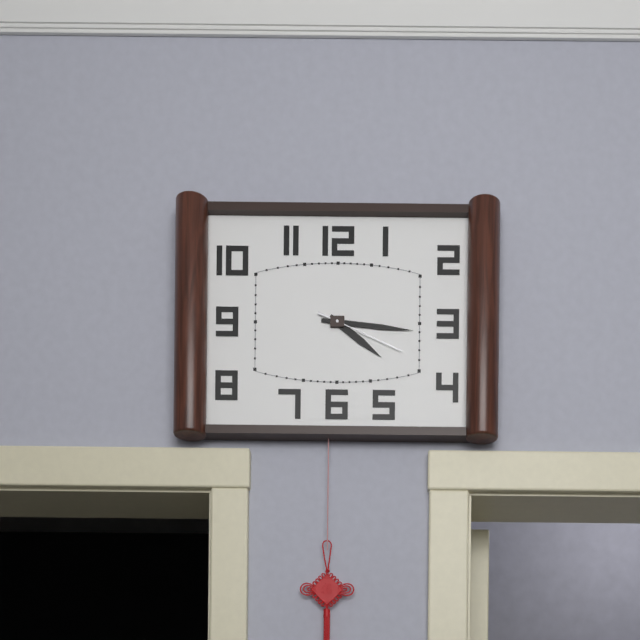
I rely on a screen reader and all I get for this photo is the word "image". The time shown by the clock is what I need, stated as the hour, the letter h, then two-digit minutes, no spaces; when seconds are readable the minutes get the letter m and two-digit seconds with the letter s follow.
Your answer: 4h16m19s
